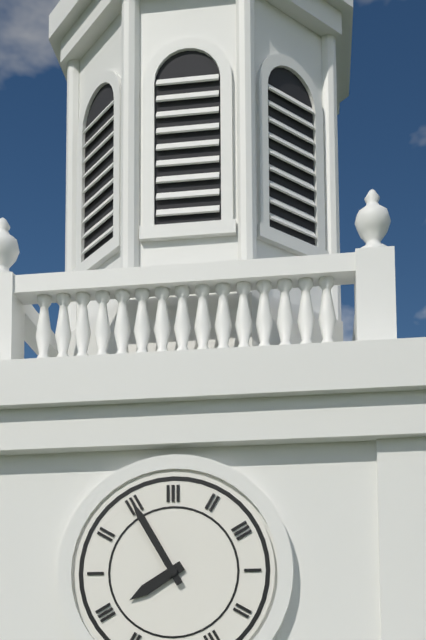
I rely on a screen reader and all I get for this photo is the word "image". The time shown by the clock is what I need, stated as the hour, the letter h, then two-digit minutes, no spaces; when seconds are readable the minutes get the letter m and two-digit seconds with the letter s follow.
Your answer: 7h55
